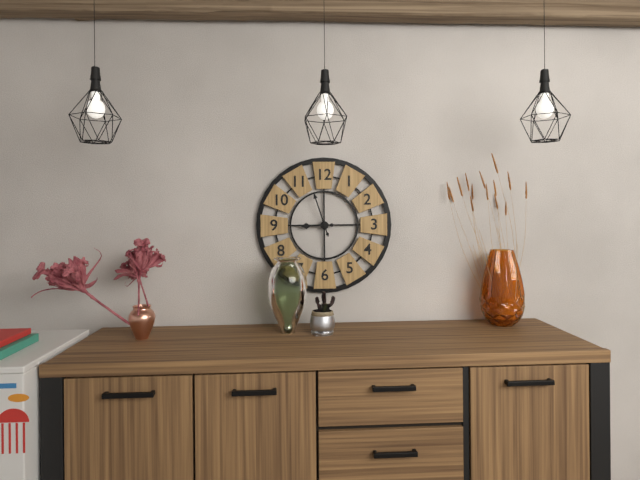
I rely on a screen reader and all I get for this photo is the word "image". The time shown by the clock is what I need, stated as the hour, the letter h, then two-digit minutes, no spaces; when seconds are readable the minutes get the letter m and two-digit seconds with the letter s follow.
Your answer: 8h57
